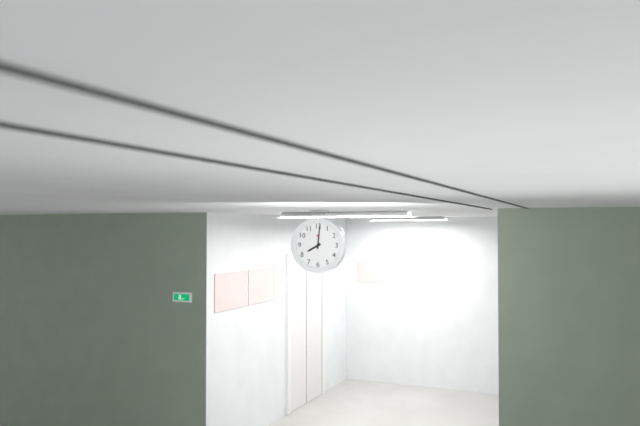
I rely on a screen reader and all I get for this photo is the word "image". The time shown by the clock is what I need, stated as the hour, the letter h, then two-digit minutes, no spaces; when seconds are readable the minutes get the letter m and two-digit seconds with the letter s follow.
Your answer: 8h01
